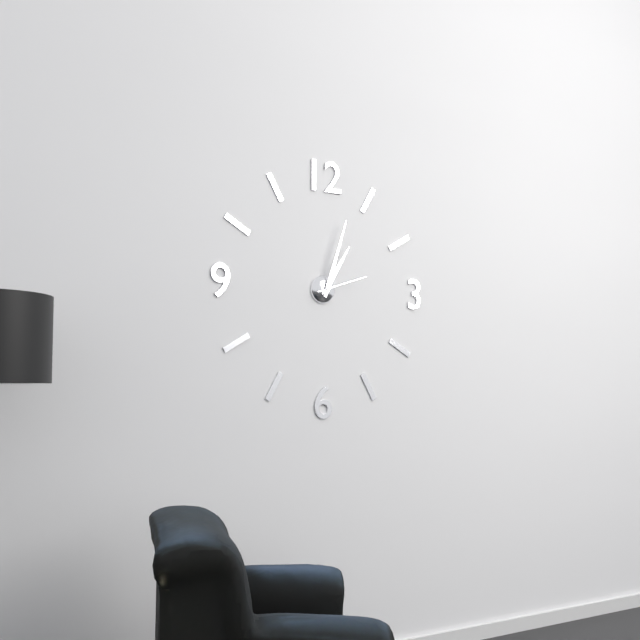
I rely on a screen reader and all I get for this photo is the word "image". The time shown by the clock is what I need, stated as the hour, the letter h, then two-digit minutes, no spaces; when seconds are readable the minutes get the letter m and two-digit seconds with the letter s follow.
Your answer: 1h03m12s
